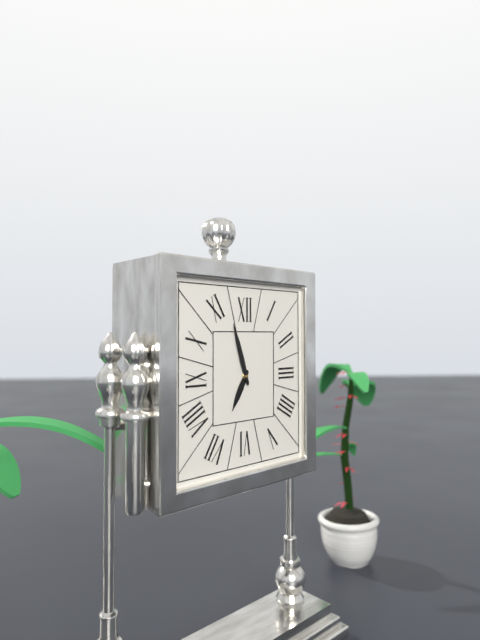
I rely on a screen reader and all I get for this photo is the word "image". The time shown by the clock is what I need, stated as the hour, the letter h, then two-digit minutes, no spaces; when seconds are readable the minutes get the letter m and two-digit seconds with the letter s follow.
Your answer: 6h57
